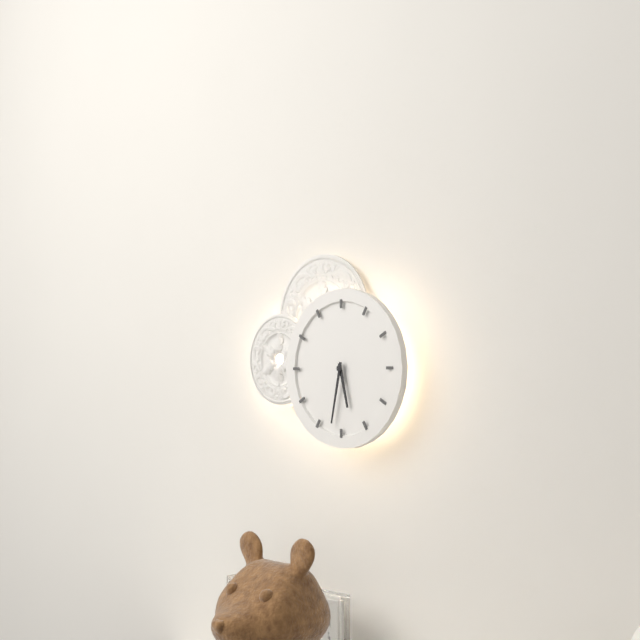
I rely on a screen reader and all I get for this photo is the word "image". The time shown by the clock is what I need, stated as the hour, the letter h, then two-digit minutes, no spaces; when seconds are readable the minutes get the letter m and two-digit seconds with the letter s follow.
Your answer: 5h32
